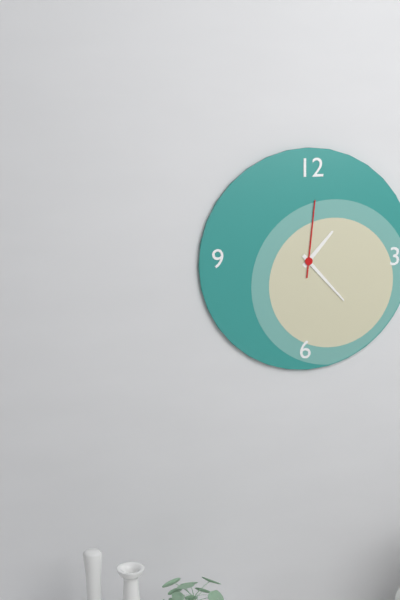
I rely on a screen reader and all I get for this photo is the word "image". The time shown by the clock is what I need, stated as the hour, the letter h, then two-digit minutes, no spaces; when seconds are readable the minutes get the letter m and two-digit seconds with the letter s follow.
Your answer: 1h23m01s
